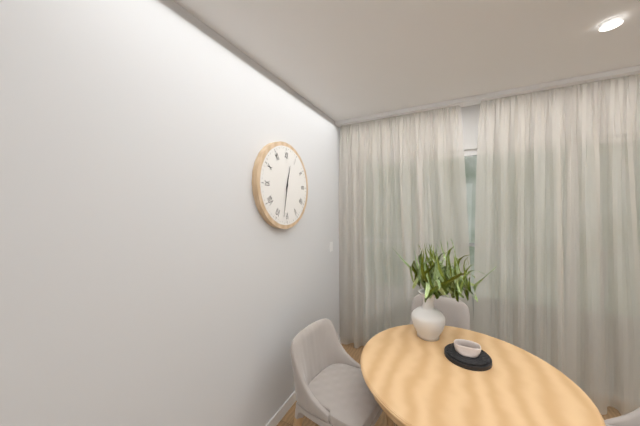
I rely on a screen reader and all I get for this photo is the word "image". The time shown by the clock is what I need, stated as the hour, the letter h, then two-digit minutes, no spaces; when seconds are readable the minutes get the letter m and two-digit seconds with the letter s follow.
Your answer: 12h32
